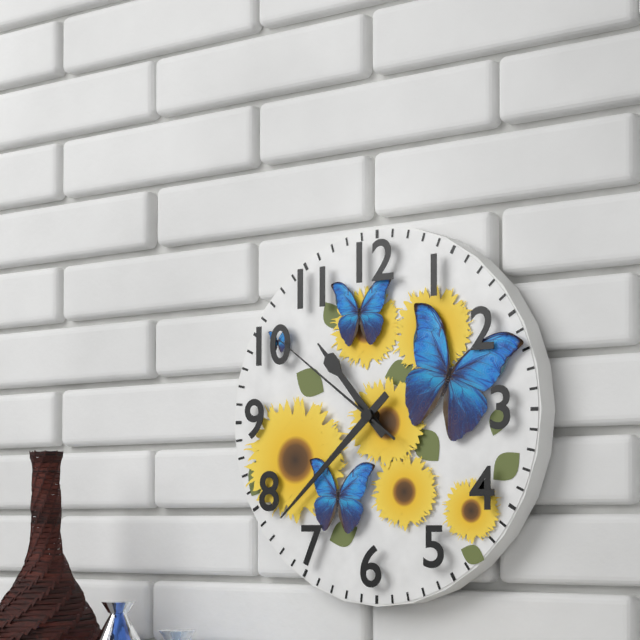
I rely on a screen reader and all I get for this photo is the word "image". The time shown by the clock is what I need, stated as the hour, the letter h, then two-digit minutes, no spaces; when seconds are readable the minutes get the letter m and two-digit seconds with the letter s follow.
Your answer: 10h38m51s
